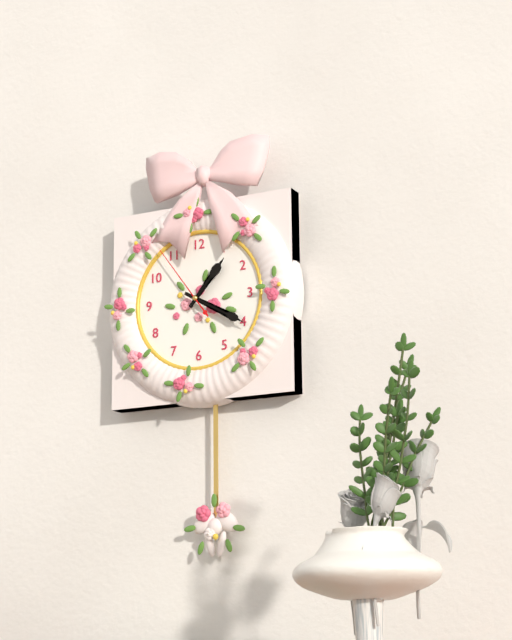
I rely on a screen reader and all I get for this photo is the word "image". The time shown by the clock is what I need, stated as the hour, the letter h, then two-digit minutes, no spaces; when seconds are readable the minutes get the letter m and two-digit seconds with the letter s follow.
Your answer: 1h20m54s
